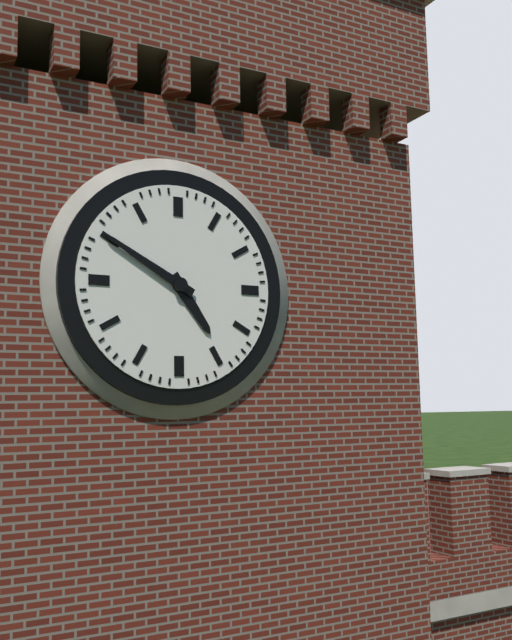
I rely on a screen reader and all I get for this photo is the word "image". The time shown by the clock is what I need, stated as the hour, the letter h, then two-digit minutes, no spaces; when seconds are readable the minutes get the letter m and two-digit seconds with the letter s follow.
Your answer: 4h50
